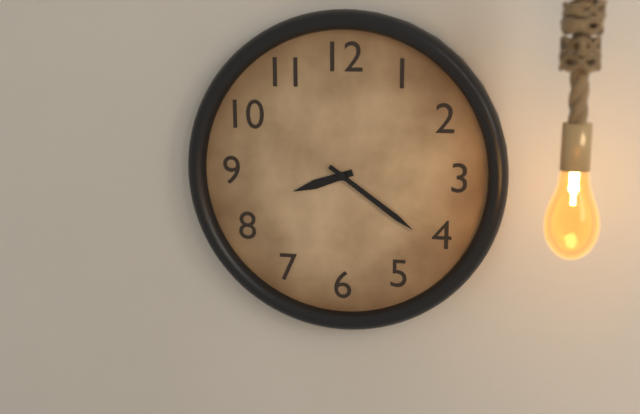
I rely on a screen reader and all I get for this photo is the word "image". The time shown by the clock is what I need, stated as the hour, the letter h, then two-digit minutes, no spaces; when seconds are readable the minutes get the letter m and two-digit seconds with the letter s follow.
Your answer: 8h21
